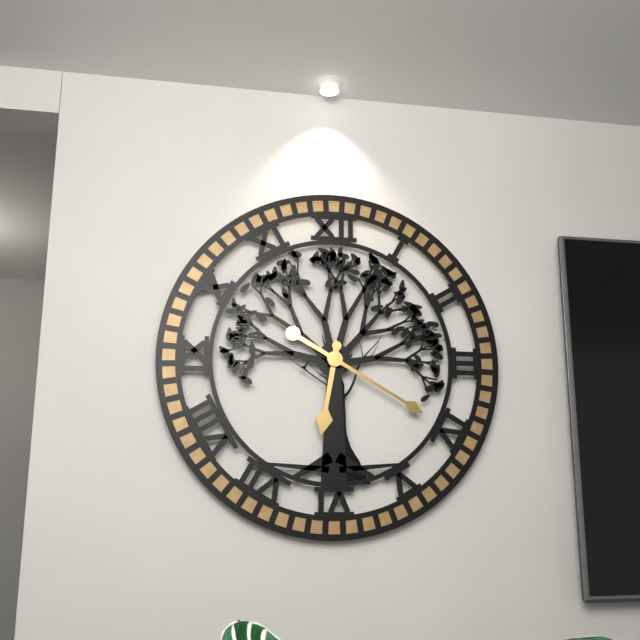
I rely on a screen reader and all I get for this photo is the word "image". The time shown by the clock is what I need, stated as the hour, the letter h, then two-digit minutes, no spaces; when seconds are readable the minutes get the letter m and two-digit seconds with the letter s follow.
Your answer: 6h20
